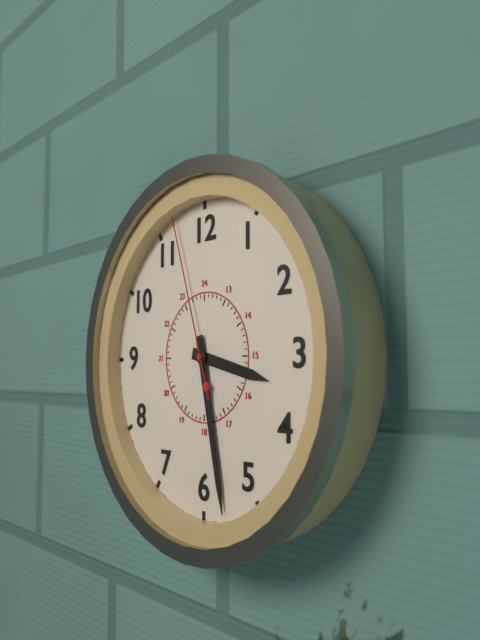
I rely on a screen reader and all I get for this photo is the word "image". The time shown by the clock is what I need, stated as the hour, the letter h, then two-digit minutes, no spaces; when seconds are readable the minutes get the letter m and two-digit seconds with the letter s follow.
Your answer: 3h28m57s
